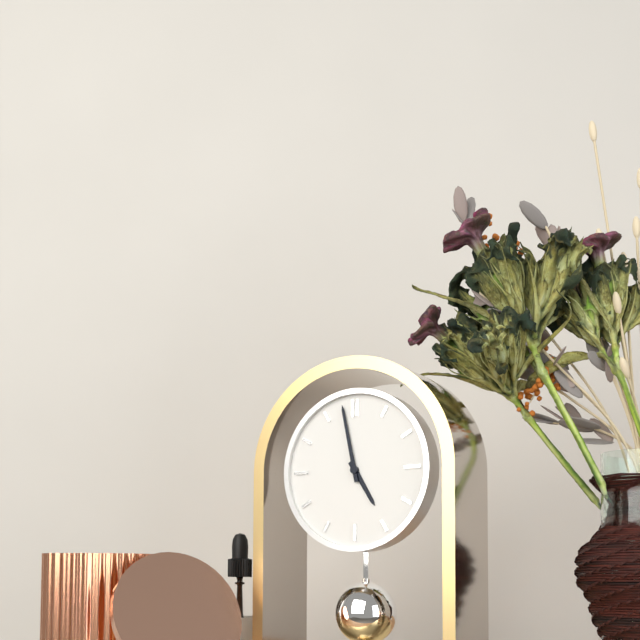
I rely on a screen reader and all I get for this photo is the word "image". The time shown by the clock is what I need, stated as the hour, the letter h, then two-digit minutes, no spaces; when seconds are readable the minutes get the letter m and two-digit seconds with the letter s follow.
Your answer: 4h58
